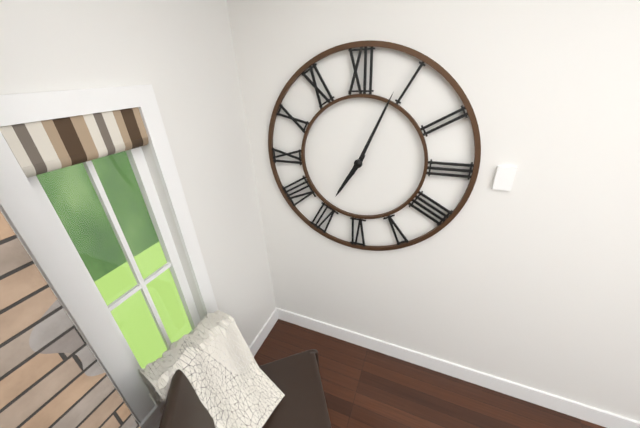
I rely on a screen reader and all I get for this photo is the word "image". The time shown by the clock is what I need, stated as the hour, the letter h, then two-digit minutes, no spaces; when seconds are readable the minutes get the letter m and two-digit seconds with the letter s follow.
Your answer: 7h04
